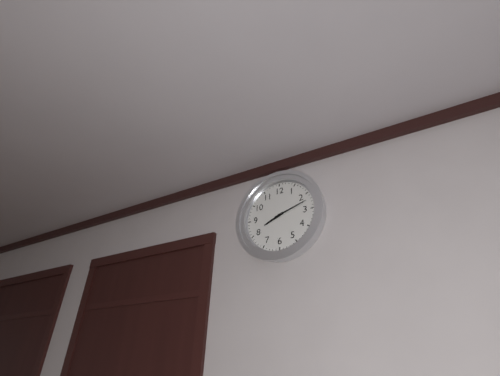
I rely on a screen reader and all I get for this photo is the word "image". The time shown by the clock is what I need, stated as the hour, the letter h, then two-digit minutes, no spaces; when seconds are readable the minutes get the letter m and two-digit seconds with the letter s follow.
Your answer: 8h12
